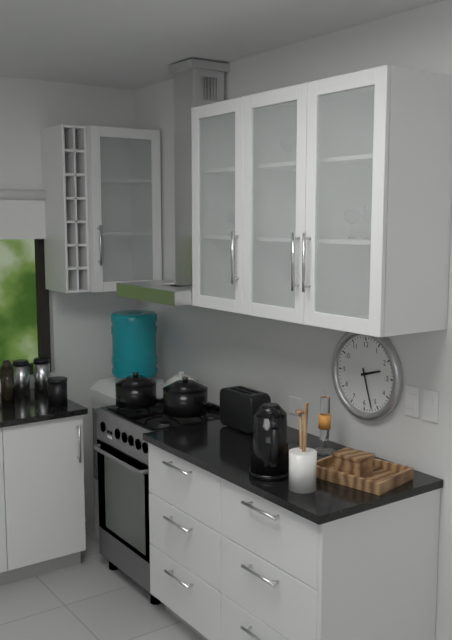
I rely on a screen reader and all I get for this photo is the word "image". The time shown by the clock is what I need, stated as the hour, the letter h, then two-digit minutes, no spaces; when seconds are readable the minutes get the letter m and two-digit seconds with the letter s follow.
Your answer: 2h27
